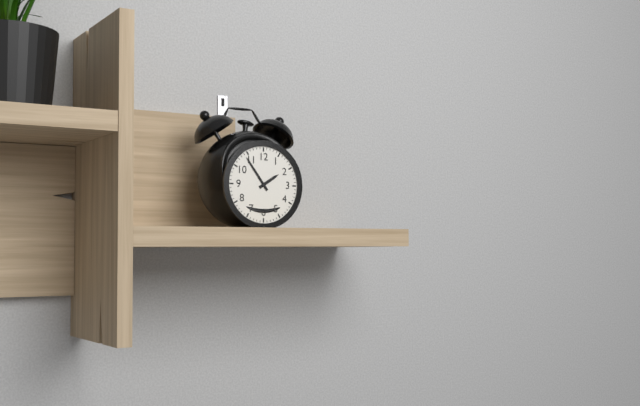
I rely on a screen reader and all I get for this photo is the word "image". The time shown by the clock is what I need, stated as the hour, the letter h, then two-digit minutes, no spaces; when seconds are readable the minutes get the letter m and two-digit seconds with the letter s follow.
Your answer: 1h54
